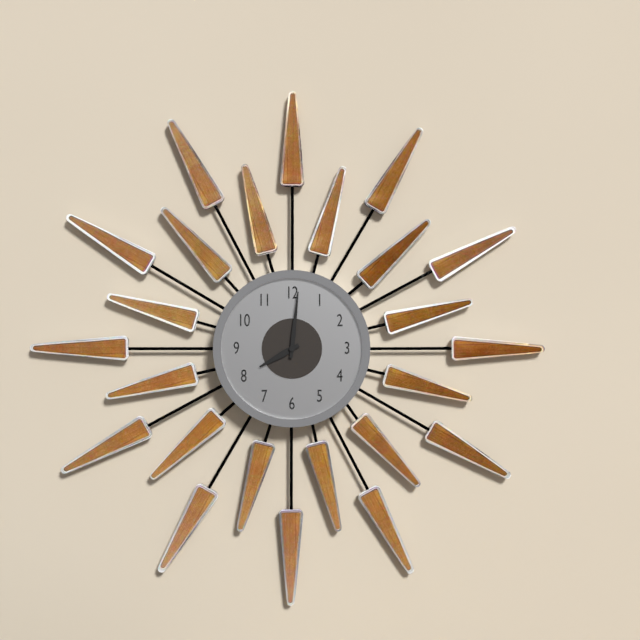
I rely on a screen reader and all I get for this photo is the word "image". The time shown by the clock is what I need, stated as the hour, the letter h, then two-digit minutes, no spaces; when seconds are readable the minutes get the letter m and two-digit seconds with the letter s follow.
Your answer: 8h01
